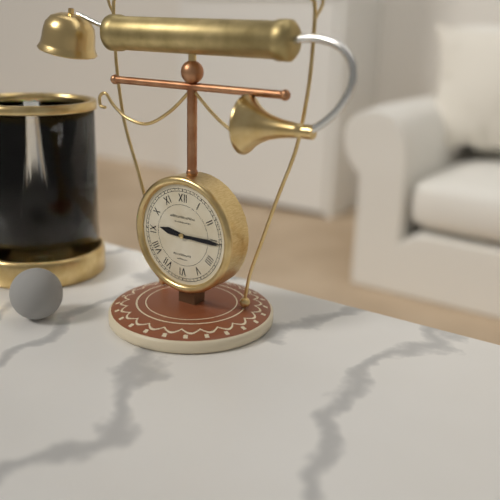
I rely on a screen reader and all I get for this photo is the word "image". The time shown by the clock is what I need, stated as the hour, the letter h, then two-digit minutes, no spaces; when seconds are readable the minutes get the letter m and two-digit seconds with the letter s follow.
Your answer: 9h15
